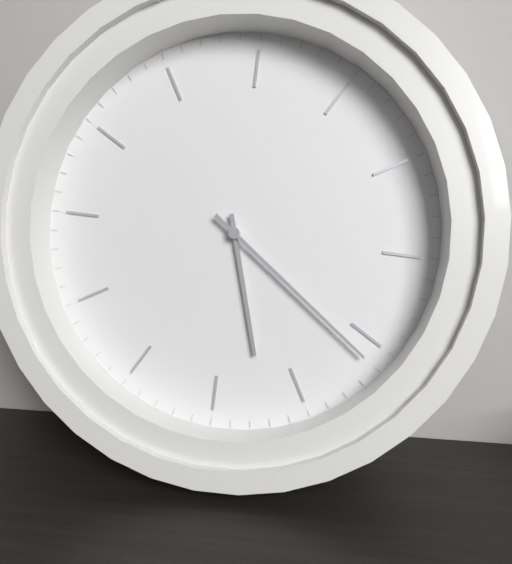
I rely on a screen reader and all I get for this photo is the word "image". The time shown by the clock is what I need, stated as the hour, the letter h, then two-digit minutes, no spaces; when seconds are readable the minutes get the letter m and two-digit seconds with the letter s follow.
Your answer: 6h26
